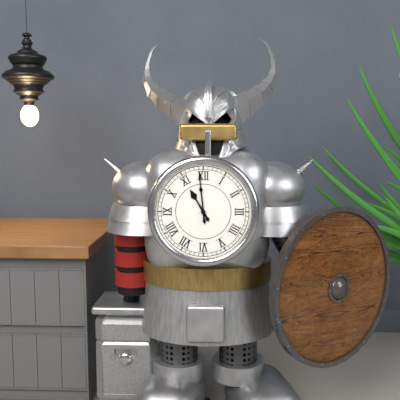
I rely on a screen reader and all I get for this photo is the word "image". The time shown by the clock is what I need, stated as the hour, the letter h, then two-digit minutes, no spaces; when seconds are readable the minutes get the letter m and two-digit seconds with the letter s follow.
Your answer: 10h59
